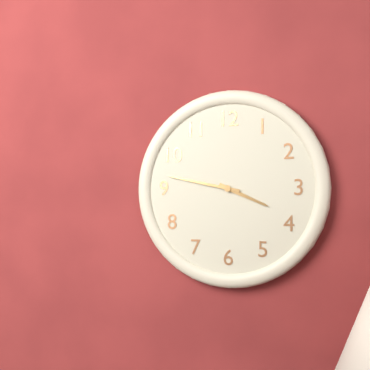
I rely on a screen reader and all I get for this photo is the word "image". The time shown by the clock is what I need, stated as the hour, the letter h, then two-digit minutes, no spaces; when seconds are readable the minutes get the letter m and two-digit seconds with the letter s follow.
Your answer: 3h47
